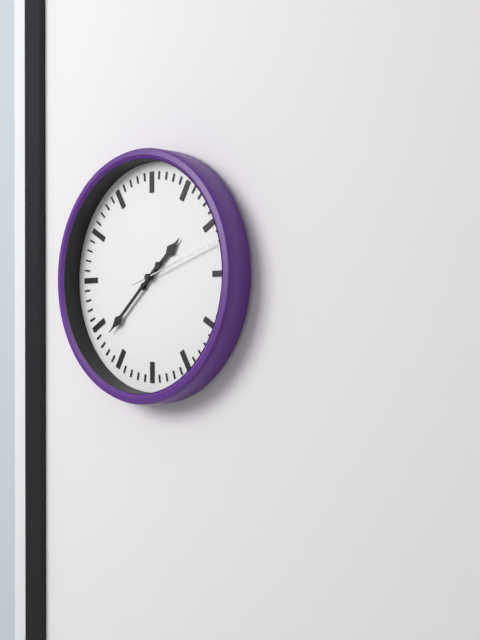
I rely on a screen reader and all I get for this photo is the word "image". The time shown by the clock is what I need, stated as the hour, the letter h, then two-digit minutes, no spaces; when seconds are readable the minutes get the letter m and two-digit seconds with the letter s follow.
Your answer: 1h38m12s
